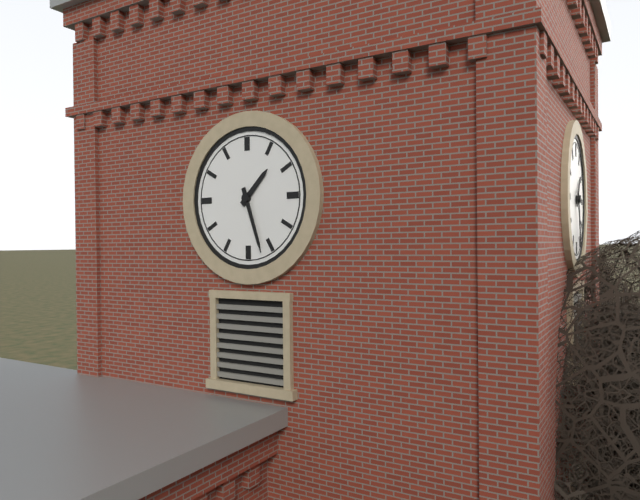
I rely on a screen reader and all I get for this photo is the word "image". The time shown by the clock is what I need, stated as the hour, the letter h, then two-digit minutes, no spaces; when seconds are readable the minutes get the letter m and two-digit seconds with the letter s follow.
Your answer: 1h27
